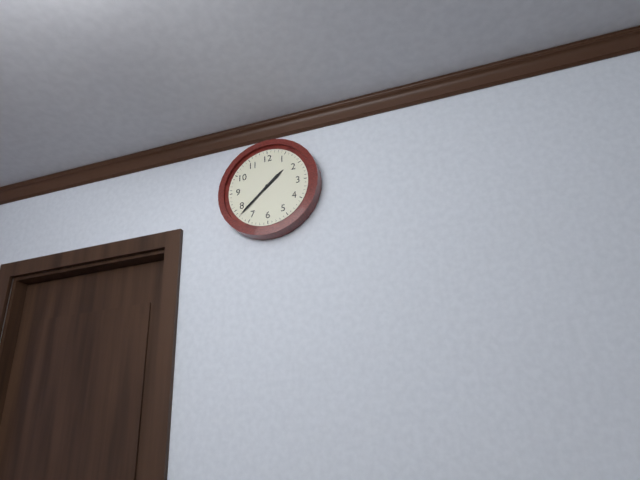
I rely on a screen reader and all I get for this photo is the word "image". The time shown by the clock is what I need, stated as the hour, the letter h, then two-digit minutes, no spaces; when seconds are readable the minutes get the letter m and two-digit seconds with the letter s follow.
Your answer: 1h38
